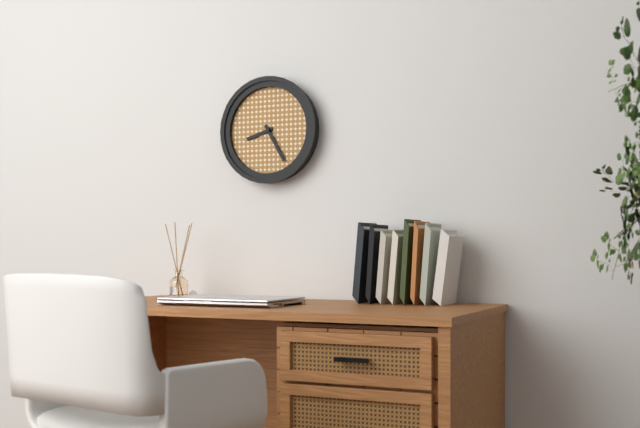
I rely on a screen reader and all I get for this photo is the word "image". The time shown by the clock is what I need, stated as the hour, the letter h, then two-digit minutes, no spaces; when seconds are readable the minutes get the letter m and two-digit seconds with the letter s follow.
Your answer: 8h25
